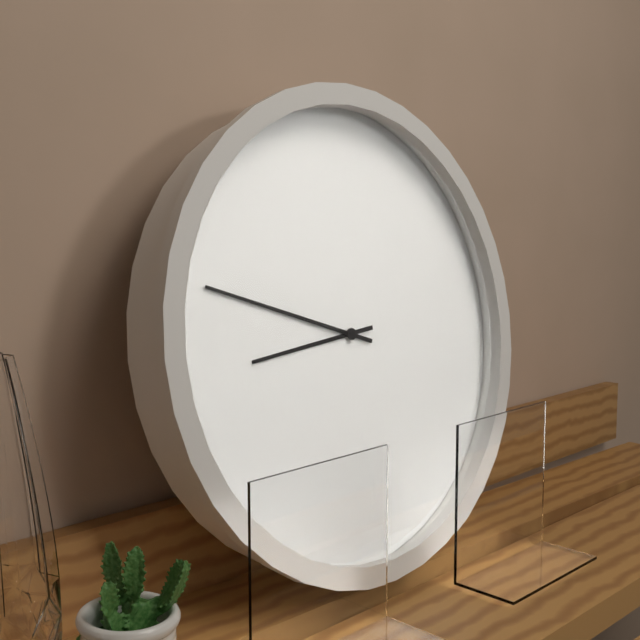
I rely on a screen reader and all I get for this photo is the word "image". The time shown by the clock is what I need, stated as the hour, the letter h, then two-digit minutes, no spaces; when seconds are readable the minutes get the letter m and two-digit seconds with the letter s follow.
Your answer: 8h48
